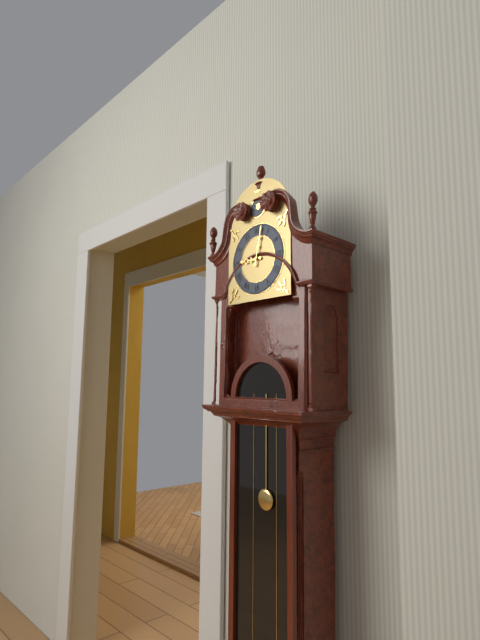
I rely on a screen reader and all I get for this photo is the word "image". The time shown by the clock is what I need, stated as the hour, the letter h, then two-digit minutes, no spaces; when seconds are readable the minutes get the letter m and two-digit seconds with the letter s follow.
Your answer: 9h02
